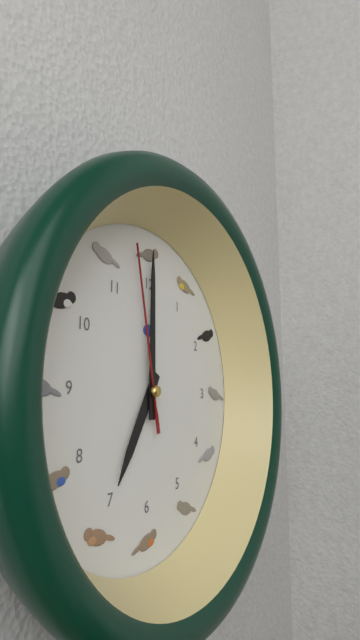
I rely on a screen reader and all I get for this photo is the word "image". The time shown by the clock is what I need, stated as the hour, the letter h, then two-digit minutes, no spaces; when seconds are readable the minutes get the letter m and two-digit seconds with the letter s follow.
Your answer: 7h00m58s
